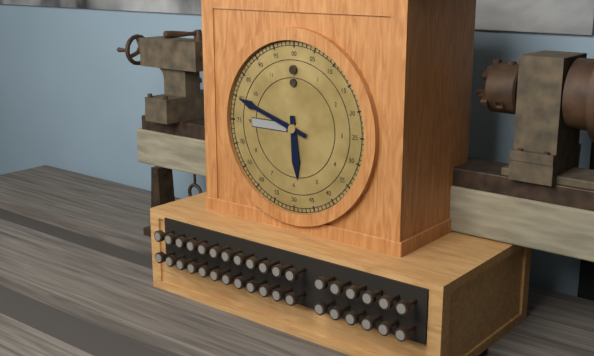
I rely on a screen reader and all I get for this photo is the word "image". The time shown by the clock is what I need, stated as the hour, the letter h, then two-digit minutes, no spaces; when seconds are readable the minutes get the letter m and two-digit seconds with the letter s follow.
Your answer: 5h48
